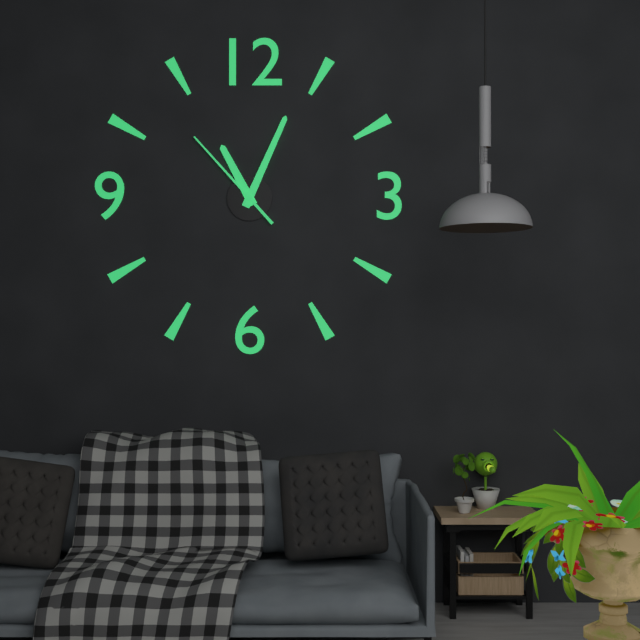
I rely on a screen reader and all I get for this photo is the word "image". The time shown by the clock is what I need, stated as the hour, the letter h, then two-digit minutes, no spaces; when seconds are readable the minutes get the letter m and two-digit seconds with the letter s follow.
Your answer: 11h04m53s
